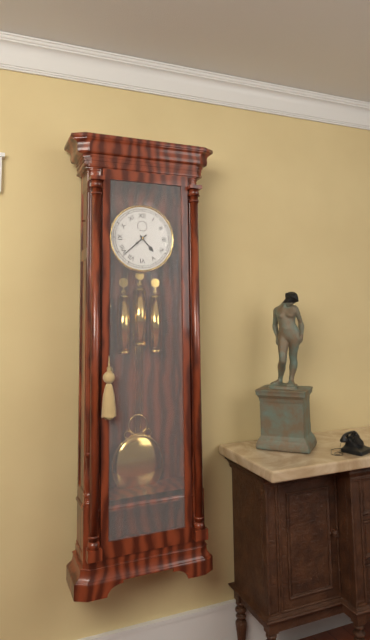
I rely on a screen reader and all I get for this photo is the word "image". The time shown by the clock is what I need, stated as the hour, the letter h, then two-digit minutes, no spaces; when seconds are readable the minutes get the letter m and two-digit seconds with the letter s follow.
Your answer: 4h38
